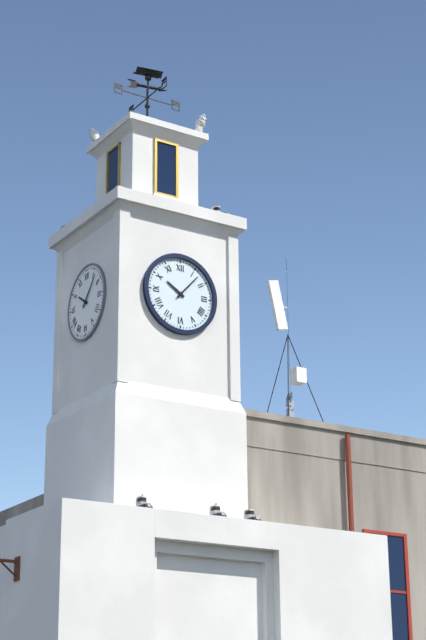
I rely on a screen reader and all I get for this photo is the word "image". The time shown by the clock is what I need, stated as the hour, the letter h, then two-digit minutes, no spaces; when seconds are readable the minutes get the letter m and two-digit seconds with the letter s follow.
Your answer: 10h07
